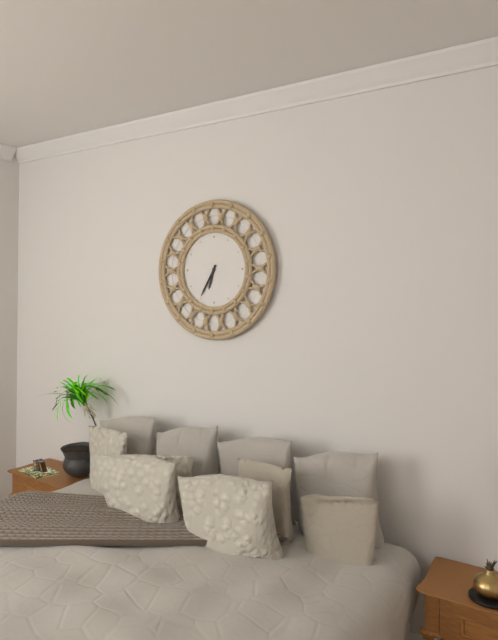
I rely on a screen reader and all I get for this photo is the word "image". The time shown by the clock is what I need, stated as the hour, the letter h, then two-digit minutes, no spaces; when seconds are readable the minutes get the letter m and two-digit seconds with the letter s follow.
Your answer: 6h35
